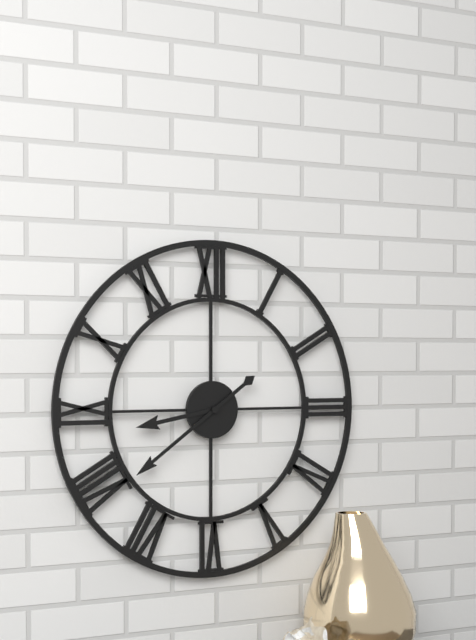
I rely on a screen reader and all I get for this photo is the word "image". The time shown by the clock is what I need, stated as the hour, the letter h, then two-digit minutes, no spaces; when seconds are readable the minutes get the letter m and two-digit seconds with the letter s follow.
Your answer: 8h39
